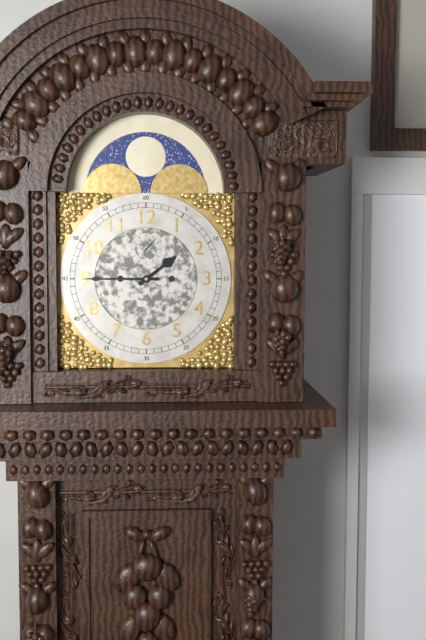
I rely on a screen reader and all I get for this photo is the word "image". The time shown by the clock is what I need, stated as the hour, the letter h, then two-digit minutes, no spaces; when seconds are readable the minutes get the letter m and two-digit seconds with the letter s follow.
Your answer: 1h45
